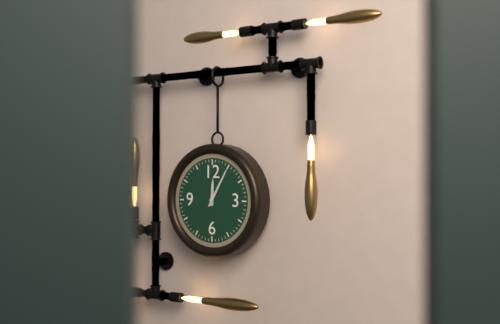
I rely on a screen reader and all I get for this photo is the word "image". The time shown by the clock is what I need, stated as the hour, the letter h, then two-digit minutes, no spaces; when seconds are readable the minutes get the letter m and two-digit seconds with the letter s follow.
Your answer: 12h05
